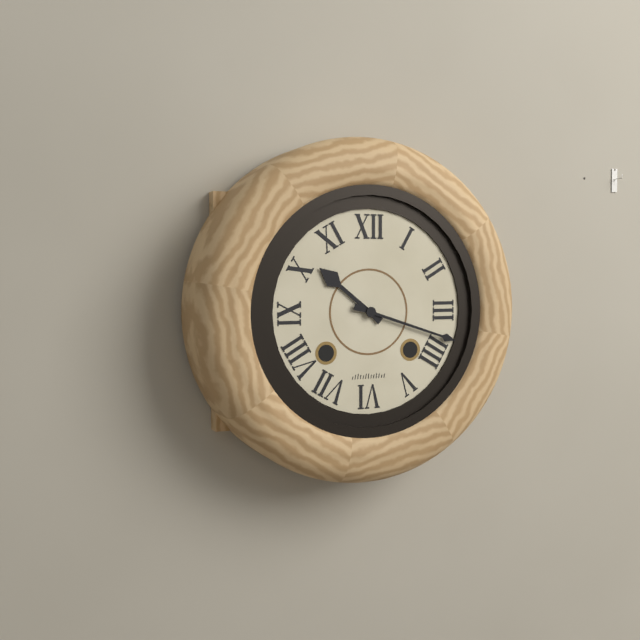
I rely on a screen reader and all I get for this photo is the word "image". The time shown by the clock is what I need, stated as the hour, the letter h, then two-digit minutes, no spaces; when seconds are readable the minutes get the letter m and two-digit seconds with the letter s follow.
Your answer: 10h18
